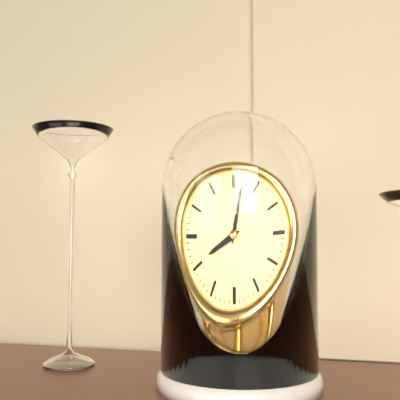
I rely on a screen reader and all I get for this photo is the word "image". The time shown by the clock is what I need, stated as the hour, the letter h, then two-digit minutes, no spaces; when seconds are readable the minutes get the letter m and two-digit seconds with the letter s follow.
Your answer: 8h02
